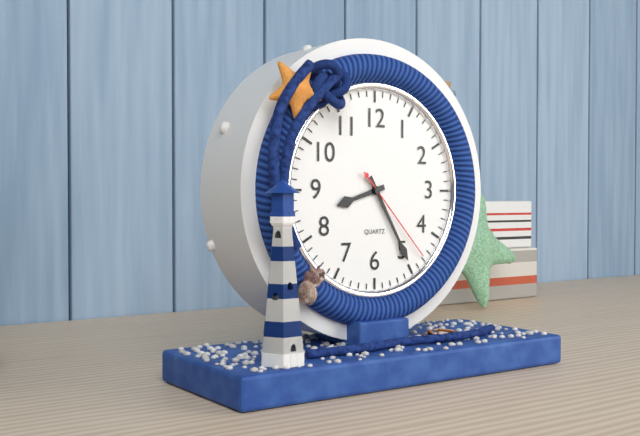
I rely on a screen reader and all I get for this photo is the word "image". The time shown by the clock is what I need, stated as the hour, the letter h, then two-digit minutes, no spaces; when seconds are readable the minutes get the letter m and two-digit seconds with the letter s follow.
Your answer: 8h25m23s
